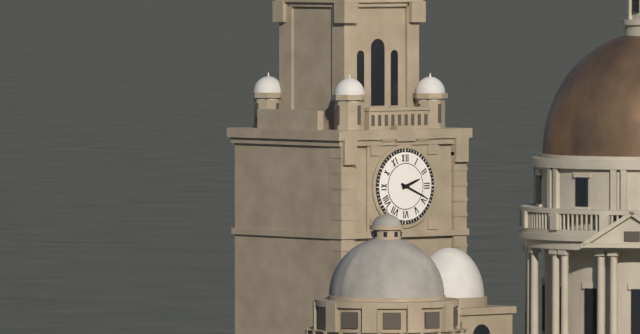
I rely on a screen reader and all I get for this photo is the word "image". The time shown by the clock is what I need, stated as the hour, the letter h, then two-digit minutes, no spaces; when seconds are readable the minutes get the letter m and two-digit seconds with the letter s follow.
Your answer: 2h19
